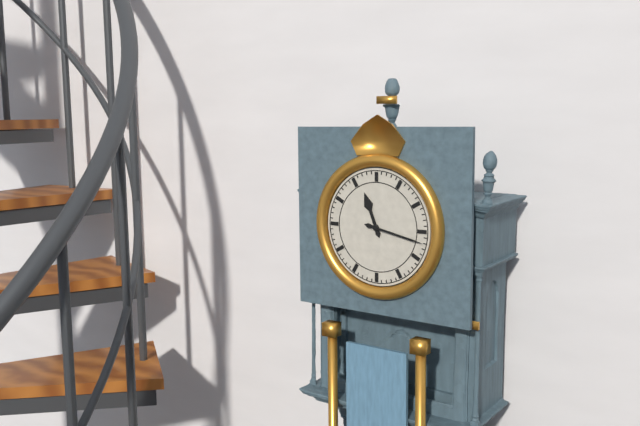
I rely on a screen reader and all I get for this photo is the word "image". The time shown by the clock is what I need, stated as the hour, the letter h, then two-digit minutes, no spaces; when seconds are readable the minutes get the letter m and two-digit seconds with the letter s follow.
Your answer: 11h17
